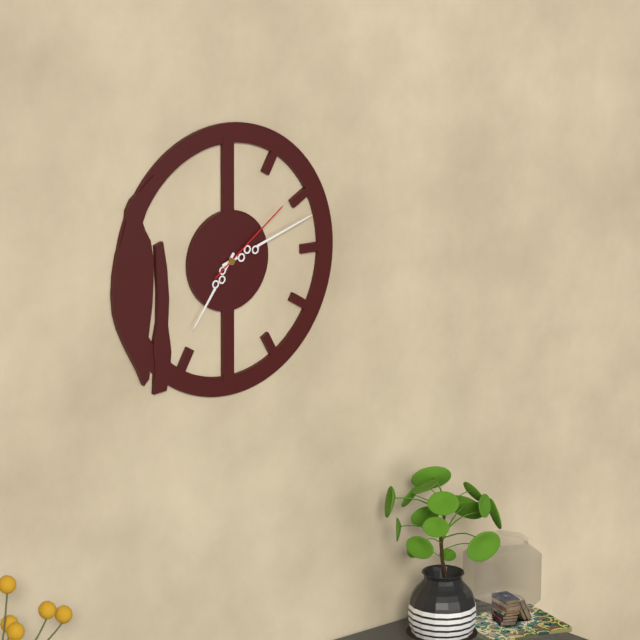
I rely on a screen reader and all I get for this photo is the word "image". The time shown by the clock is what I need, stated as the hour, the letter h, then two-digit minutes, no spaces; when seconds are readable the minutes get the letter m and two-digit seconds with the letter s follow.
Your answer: 7h12m09s
